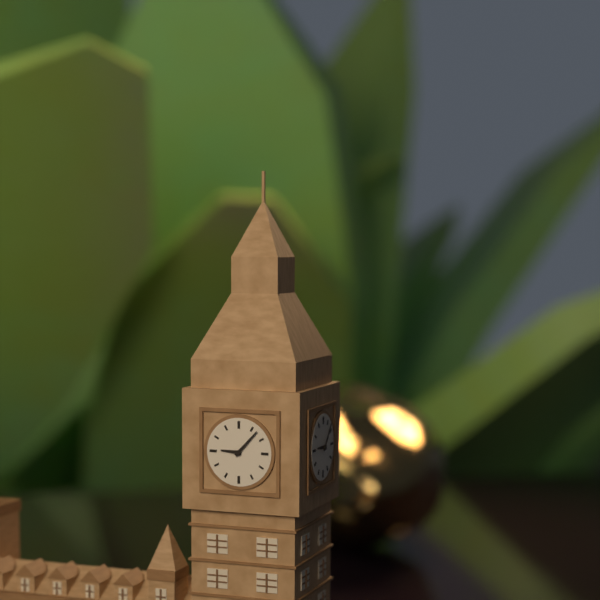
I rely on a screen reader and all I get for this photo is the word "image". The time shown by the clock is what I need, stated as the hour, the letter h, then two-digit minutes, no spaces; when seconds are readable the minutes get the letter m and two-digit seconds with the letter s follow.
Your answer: 9h07
